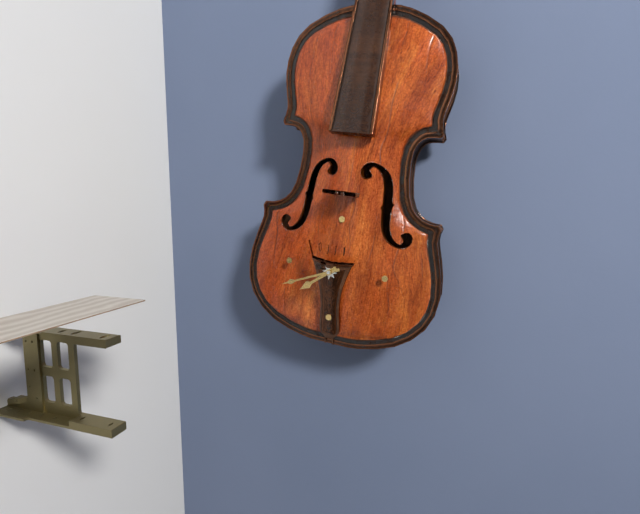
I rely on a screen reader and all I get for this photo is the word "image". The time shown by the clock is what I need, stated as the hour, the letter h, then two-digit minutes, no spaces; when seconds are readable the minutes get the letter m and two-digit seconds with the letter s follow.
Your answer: 7h41
